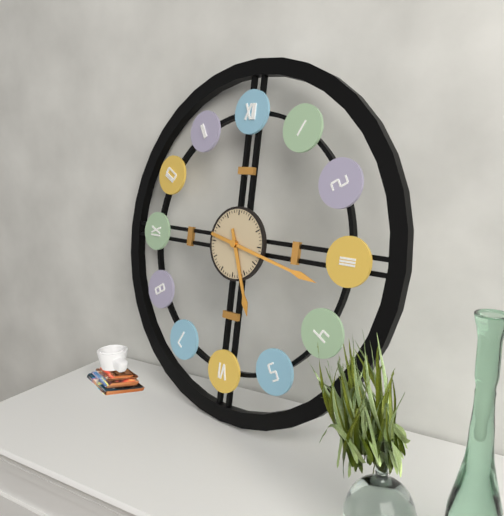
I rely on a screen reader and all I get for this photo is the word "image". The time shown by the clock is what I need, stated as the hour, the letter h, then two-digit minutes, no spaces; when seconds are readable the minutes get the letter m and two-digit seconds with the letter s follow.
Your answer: 5h17
